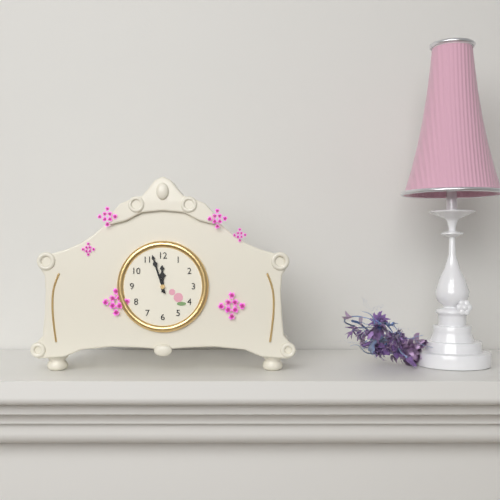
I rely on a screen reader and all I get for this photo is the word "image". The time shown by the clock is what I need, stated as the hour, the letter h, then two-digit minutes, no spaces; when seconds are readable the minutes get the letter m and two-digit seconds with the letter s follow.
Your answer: 11h57
